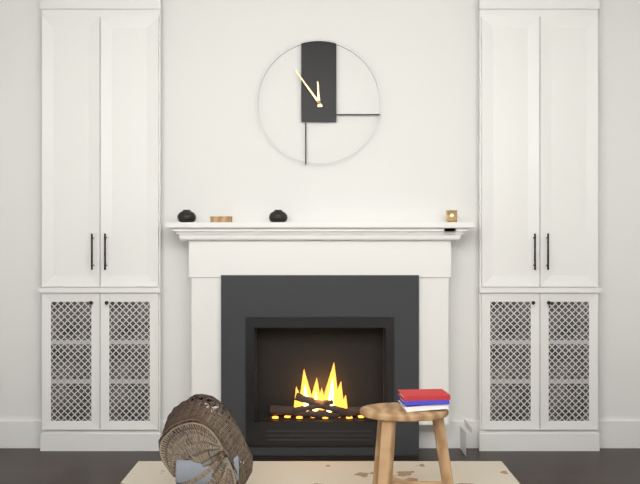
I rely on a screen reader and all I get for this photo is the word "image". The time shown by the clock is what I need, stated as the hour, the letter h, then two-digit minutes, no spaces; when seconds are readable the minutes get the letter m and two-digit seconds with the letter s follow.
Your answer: 11h54
